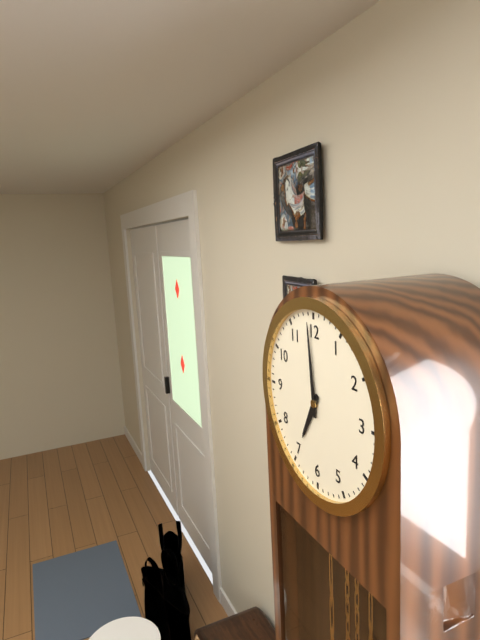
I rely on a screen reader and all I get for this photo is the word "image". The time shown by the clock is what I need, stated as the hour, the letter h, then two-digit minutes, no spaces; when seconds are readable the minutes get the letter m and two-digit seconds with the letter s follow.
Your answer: 6h59
